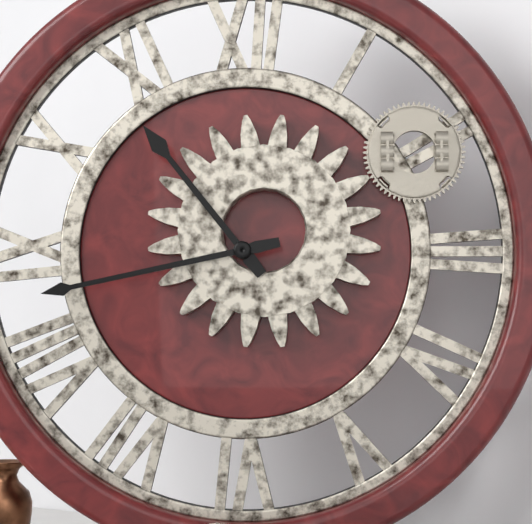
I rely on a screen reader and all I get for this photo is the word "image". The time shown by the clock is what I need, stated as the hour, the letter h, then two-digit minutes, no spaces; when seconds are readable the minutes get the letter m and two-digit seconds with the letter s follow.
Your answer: 10h43
